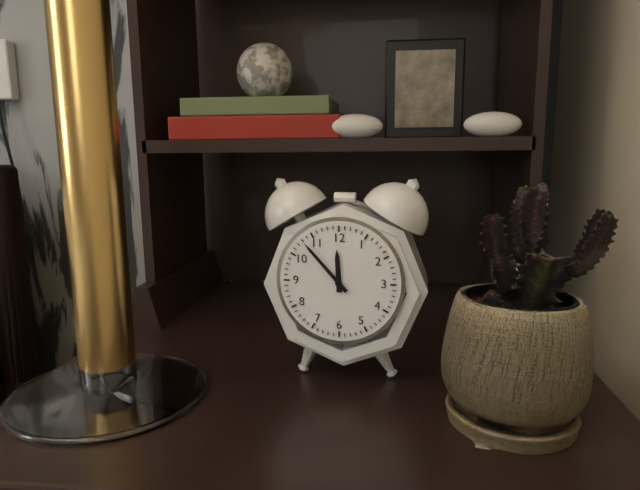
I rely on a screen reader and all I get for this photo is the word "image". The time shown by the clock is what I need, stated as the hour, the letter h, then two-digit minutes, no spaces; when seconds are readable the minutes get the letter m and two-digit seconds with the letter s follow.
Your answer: 11h53
